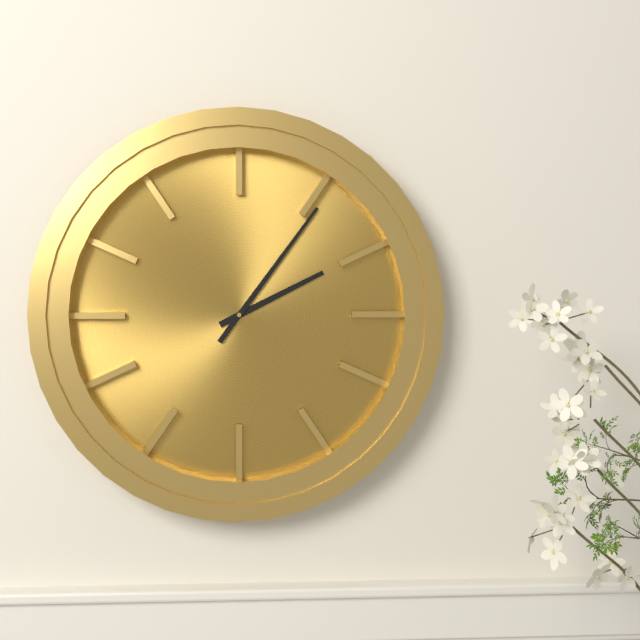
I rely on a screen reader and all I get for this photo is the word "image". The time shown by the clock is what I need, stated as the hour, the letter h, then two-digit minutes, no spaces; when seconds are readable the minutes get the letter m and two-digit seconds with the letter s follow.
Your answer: 2h06
